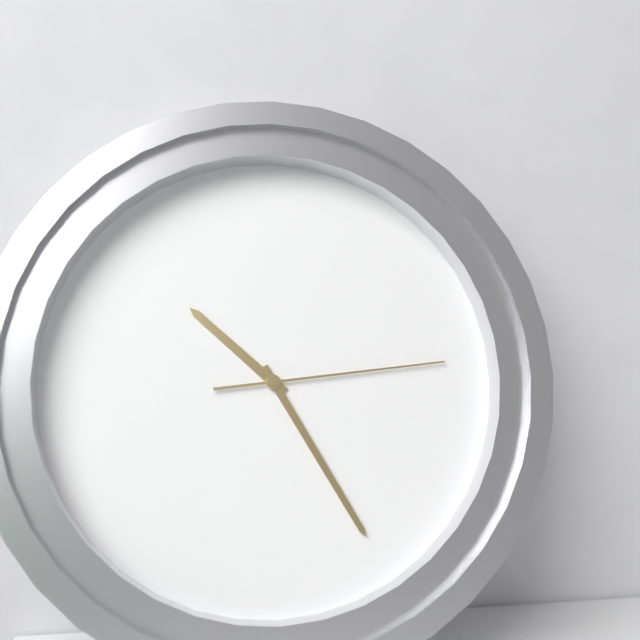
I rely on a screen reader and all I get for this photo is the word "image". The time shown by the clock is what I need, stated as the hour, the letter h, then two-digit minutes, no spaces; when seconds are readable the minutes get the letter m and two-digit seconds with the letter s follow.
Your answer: 10h25m14s
